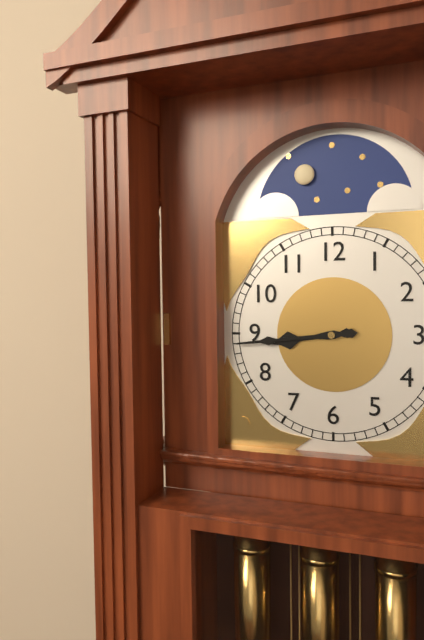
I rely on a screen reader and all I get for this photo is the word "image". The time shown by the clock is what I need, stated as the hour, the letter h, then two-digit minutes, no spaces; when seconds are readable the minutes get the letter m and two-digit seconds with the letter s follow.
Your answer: 8h44
